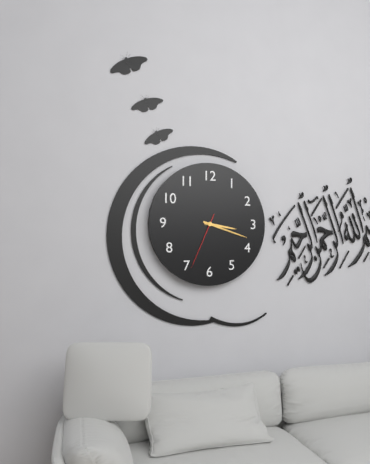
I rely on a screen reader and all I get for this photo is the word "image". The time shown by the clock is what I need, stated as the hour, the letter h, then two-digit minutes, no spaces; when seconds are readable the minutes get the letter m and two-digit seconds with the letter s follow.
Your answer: 3h18m34s
